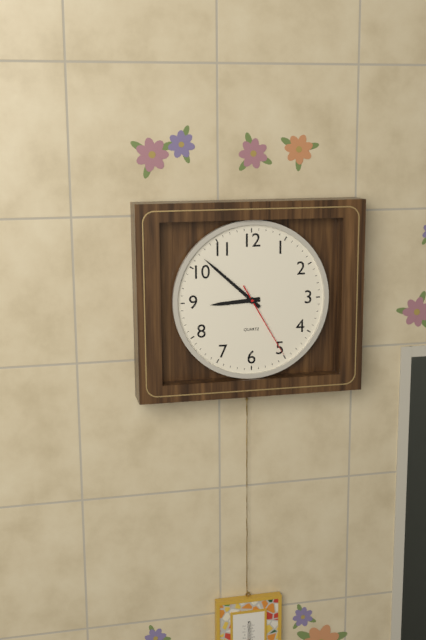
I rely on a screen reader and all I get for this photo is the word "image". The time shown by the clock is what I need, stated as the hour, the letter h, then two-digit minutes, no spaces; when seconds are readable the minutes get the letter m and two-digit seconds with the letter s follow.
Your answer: 8h52m25s
